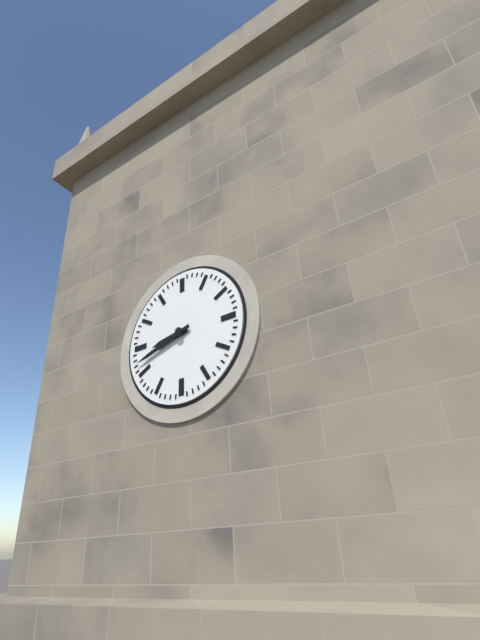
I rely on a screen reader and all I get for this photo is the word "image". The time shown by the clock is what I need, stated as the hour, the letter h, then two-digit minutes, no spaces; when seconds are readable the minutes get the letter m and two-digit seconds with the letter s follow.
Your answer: 8h42
